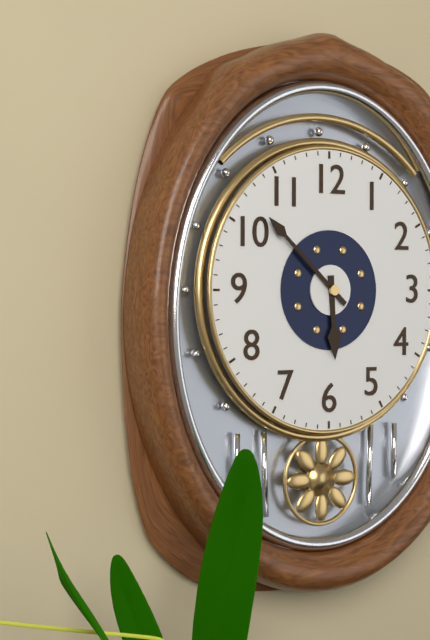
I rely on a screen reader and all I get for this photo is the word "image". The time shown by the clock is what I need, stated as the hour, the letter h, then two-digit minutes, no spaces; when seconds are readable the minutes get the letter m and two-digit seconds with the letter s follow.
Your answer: 5h52
